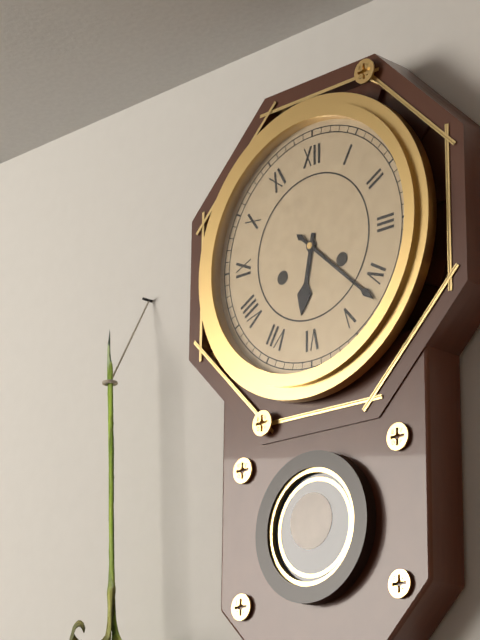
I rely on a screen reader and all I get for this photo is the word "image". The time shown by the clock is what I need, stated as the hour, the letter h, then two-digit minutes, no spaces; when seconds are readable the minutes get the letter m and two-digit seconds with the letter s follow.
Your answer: 6h22
